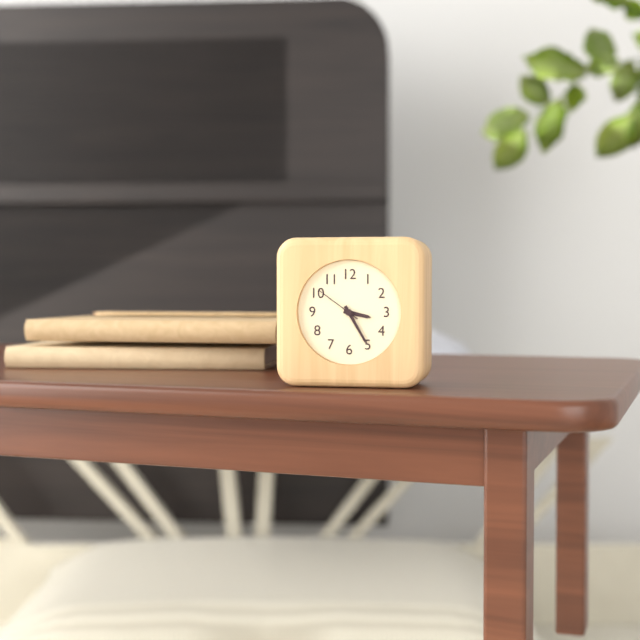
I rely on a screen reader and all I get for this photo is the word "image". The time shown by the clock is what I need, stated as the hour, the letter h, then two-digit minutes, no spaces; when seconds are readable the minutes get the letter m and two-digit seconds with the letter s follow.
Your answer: 3h25
